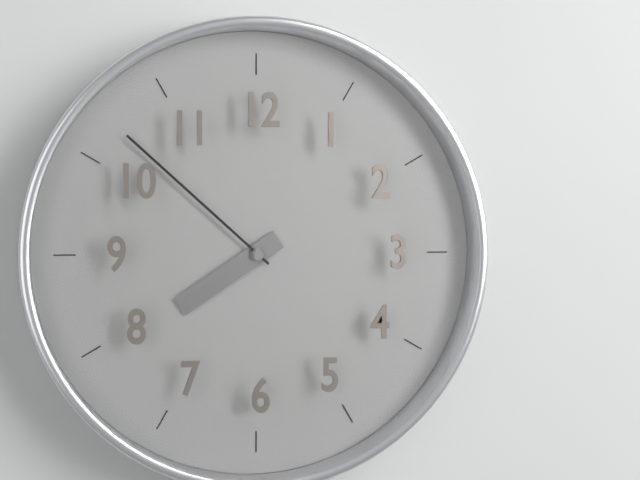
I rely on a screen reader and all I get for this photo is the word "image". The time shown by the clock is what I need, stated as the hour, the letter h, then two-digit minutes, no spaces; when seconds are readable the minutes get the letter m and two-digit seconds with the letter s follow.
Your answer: 7h52
